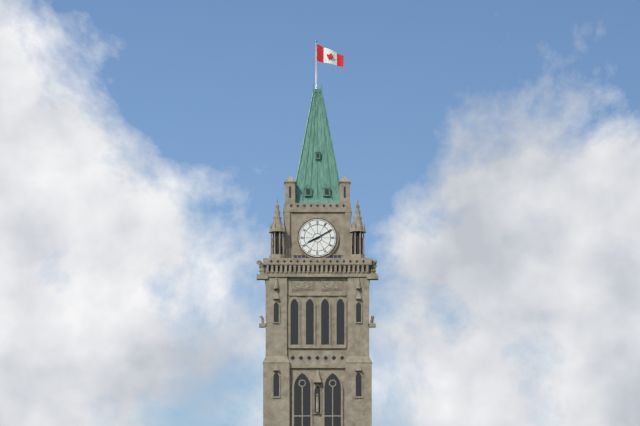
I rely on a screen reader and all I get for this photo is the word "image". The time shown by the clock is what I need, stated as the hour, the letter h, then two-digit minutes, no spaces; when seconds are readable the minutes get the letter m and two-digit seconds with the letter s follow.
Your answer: 8h10
